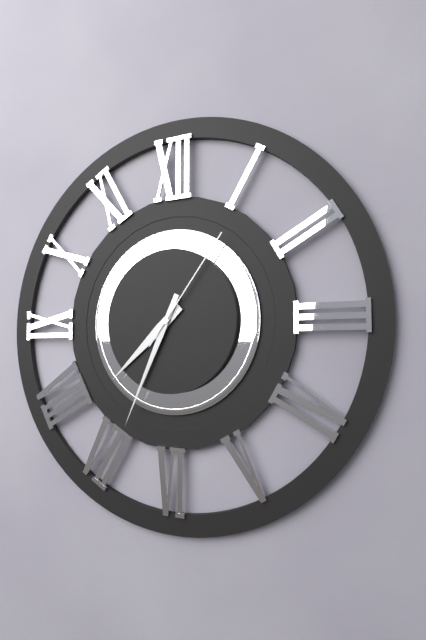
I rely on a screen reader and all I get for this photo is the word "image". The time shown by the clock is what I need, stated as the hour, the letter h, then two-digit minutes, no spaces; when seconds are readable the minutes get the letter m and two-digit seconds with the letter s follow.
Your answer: 7h34m06s
